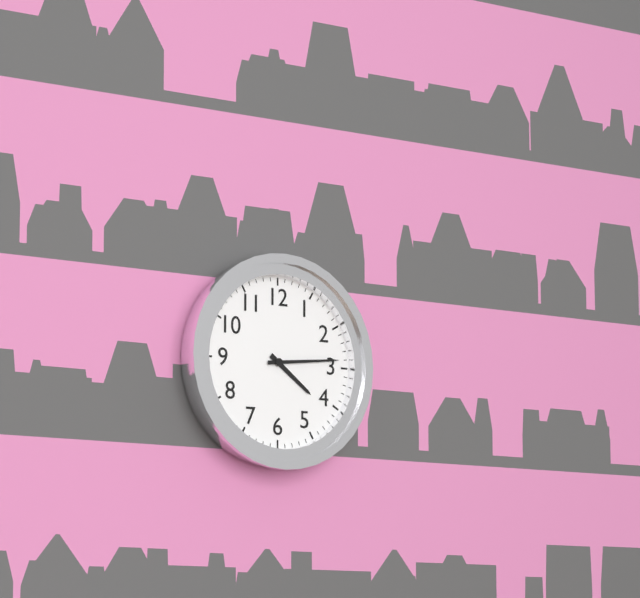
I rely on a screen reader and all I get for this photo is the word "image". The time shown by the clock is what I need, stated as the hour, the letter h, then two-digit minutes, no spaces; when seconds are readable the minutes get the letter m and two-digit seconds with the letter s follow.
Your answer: 4h14
